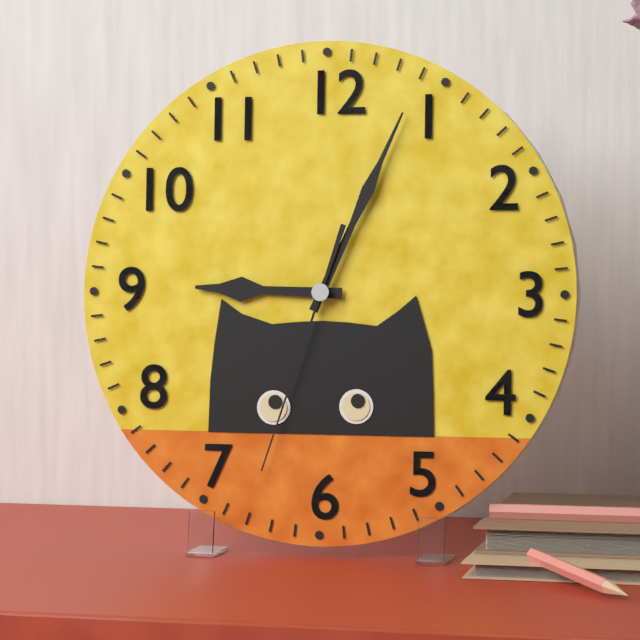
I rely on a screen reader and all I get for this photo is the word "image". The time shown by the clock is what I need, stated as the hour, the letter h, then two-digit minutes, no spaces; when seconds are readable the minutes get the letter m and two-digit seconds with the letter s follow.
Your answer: 9h04m33s
